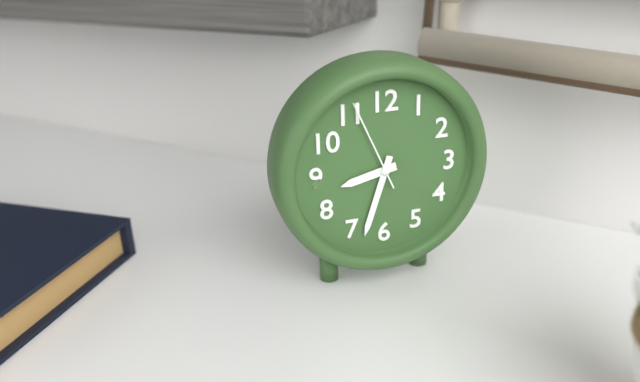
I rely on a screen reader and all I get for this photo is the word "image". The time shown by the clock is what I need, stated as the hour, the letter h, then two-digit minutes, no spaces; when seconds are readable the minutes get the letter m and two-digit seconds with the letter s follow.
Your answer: 8h33m56s
